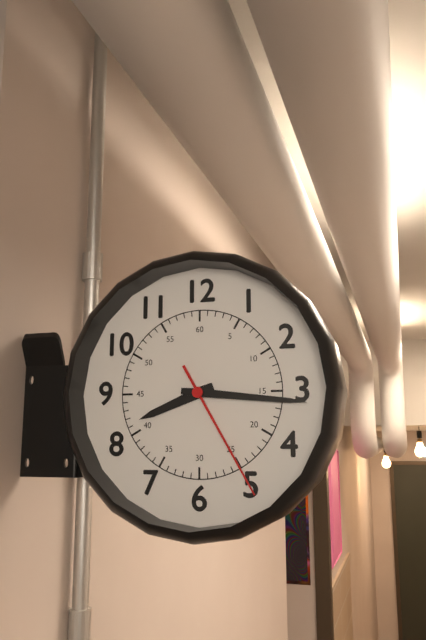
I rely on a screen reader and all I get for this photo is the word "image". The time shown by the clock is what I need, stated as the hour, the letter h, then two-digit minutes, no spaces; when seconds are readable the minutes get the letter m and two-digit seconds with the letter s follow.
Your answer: 8h16m25s
